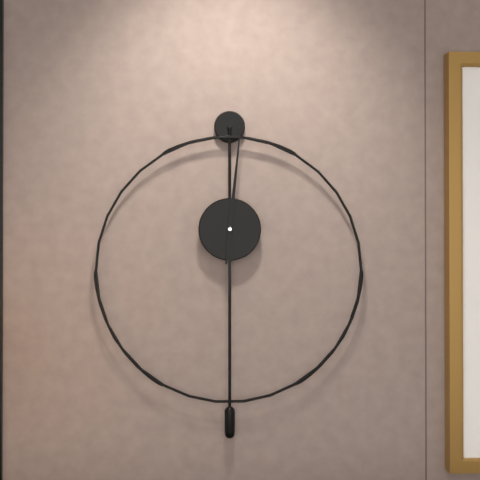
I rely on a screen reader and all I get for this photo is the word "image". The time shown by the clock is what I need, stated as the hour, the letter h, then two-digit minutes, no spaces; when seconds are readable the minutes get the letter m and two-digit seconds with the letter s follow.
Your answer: 6h01
